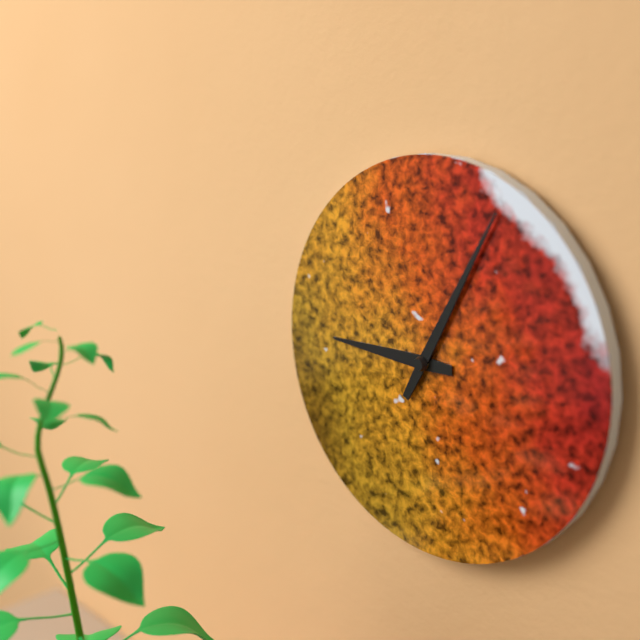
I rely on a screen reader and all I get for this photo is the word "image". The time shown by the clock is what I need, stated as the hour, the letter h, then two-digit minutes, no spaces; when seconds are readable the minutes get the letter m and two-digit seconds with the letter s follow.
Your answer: 9h05
